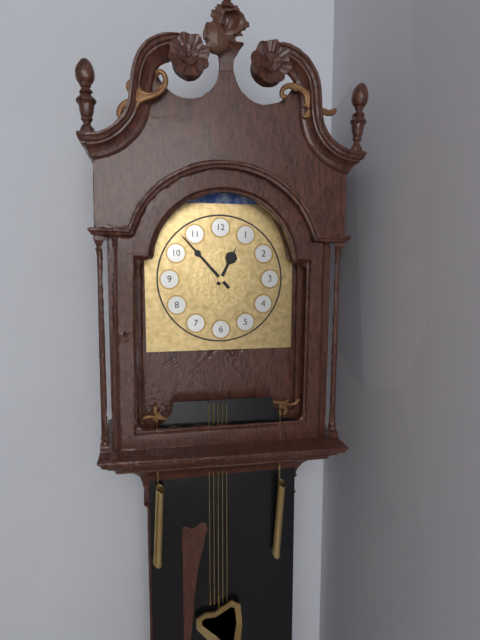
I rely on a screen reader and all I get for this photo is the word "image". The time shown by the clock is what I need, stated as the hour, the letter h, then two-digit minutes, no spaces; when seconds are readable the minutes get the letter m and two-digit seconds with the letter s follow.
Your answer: 12h53
